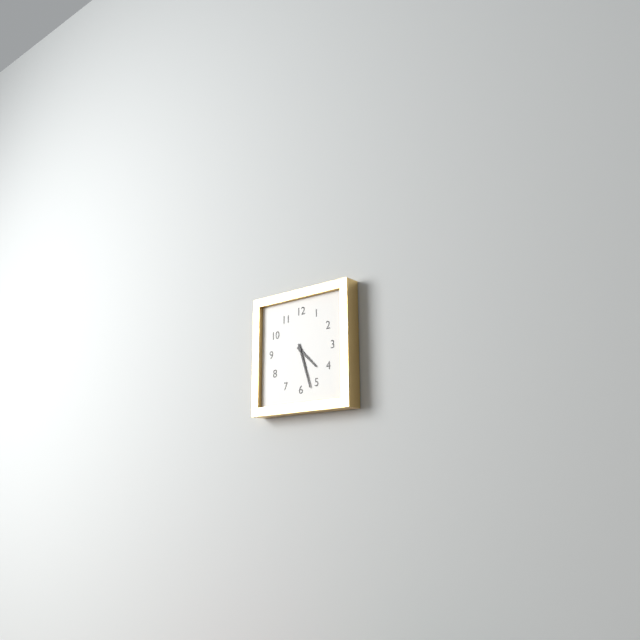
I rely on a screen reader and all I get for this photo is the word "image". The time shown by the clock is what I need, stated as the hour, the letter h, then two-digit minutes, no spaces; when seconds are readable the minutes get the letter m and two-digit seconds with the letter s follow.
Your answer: 4h27
